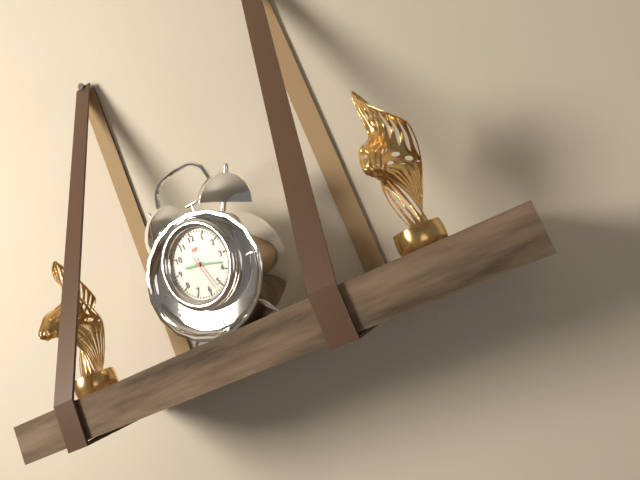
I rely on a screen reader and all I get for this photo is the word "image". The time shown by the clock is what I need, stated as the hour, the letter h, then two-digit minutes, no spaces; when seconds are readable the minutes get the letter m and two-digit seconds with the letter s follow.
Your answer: 9h18
